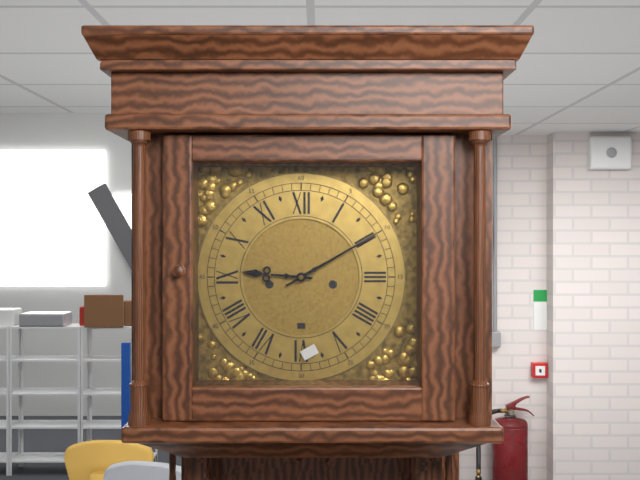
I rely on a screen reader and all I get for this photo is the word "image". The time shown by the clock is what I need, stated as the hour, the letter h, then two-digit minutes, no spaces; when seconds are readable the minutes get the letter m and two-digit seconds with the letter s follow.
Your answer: 9h10
